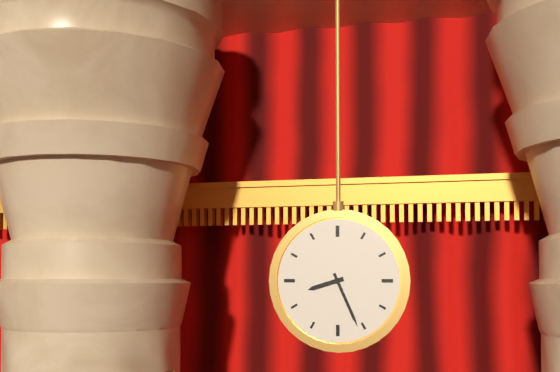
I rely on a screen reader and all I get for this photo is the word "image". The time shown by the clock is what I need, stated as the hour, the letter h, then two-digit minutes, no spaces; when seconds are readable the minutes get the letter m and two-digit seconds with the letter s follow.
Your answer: 8h26
